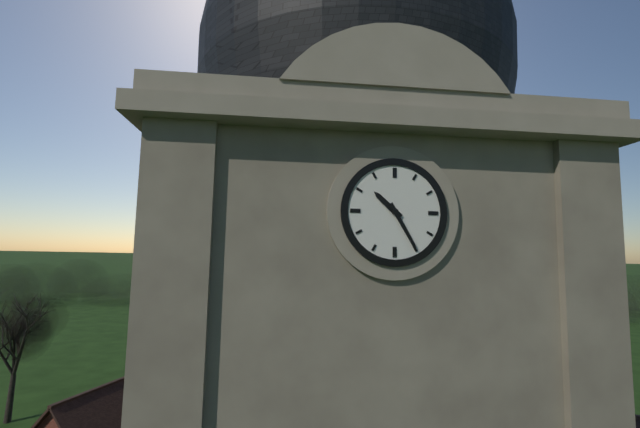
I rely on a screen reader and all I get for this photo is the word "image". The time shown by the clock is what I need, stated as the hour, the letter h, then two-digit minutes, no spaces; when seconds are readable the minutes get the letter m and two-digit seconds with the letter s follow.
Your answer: 10h25
